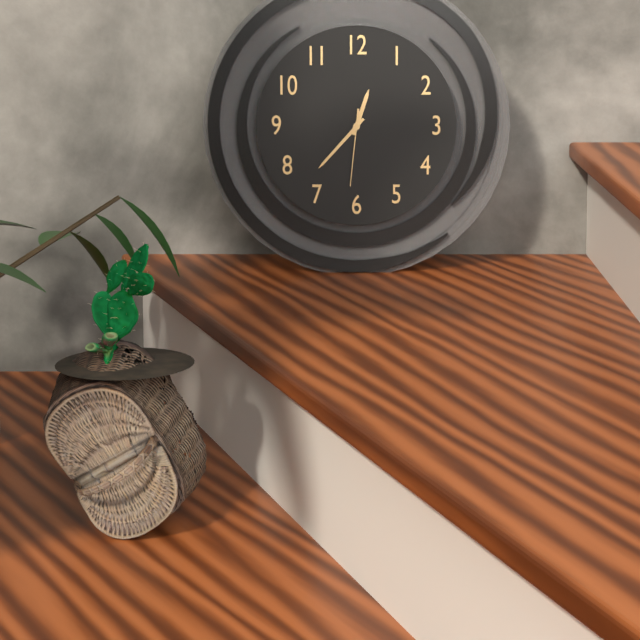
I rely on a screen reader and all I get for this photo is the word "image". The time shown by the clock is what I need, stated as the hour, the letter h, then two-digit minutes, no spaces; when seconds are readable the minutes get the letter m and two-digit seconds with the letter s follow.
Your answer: 12h37m31s
